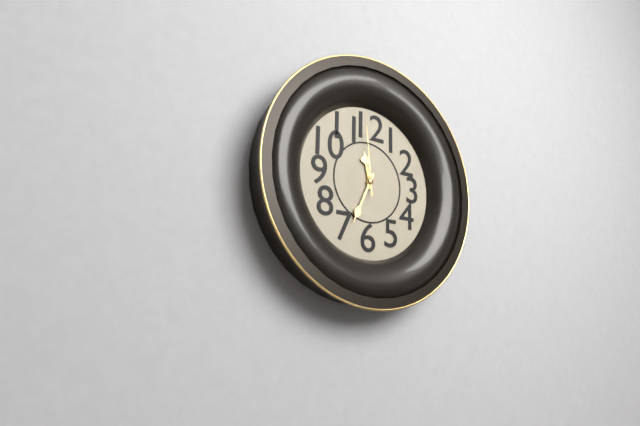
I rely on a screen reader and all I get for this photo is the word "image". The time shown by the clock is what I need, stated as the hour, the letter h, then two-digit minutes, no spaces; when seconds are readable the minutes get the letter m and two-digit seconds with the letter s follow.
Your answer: 11h34m59s
